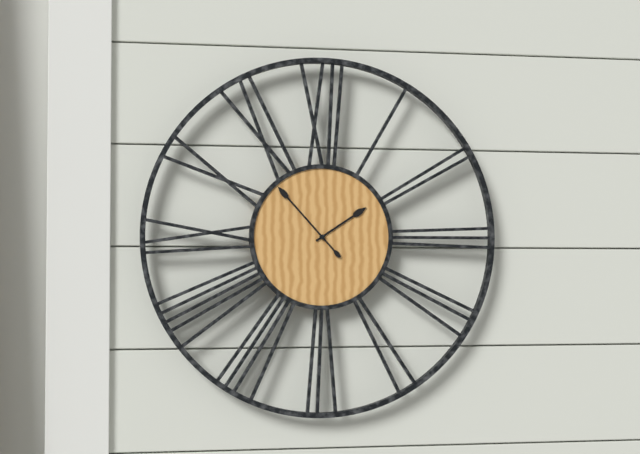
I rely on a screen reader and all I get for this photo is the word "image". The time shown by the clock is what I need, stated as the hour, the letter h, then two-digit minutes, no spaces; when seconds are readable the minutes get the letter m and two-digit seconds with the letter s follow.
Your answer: 1h53
